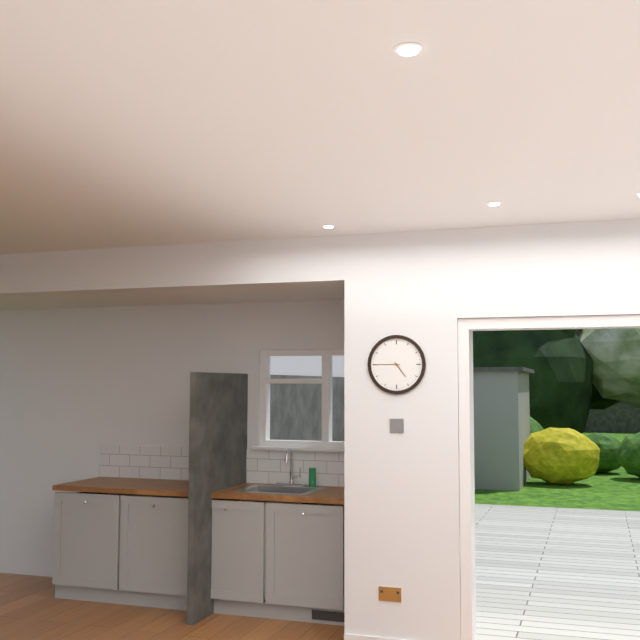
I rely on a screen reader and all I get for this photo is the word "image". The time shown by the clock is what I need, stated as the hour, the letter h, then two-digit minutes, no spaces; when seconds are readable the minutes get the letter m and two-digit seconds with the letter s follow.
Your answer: 4h45
